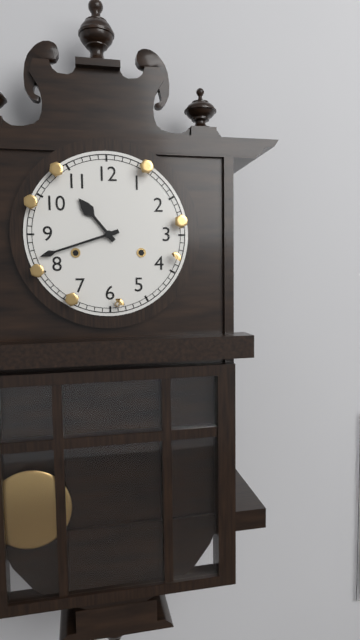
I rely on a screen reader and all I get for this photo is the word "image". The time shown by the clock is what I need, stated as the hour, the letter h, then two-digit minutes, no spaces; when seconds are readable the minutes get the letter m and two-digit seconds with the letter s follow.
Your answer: 10h42
